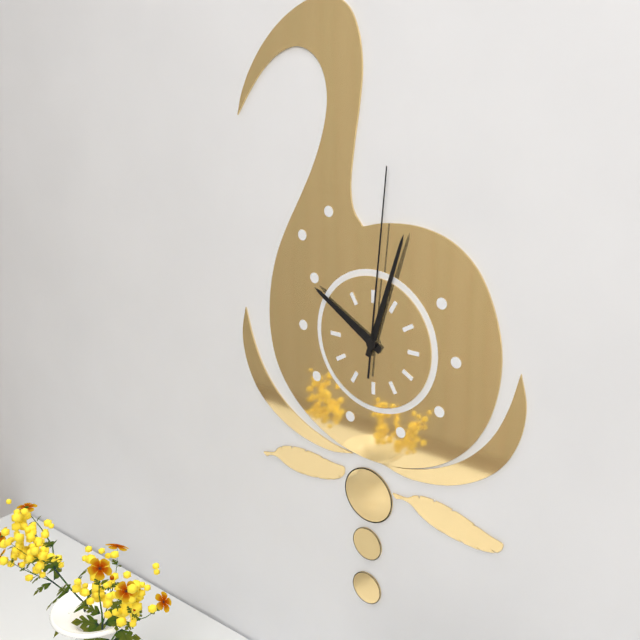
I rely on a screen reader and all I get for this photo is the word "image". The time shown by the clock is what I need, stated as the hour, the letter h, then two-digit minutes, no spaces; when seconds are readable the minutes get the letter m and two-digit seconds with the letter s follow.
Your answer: 10h03m01s
